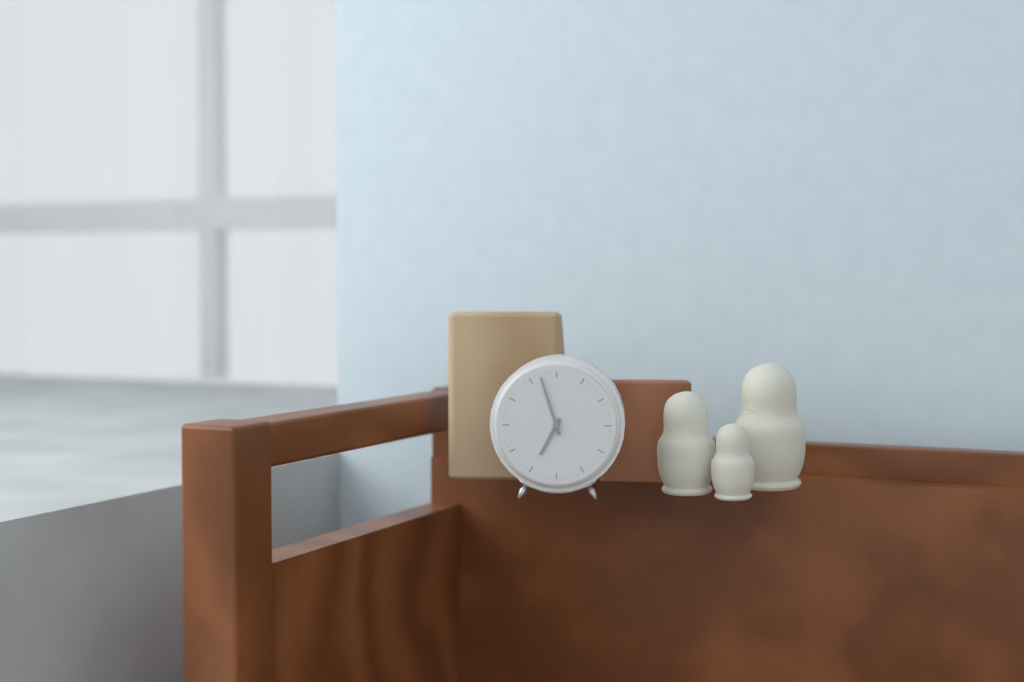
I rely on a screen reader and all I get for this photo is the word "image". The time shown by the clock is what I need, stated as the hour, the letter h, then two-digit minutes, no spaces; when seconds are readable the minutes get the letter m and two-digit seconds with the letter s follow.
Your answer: 6h57
